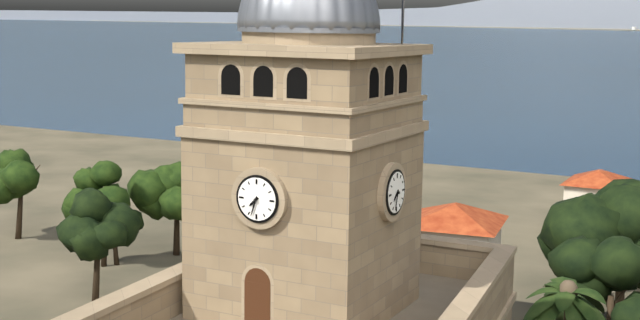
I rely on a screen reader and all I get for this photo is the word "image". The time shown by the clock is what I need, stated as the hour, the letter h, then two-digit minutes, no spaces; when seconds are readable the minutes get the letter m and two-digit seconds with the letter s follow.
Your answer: 7h33
